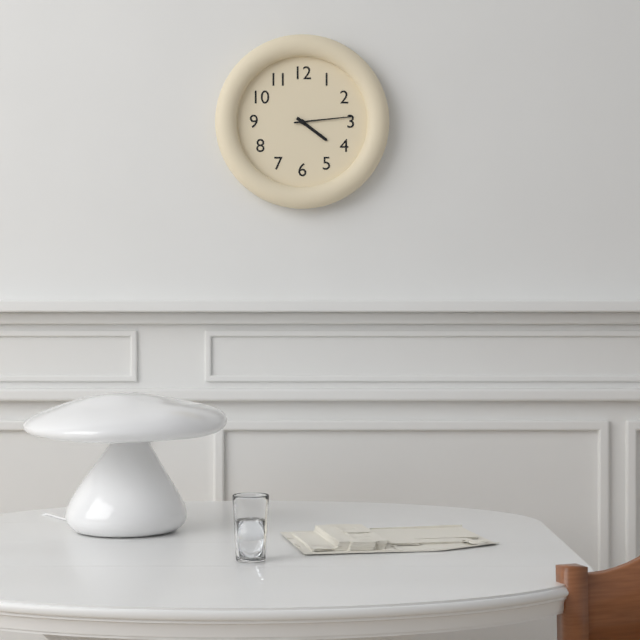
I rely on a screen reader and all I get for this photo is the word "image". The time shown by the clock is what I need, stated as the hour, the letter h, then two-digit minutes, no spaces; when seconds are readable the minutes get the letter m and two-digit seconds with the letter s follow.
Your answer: 4h14
